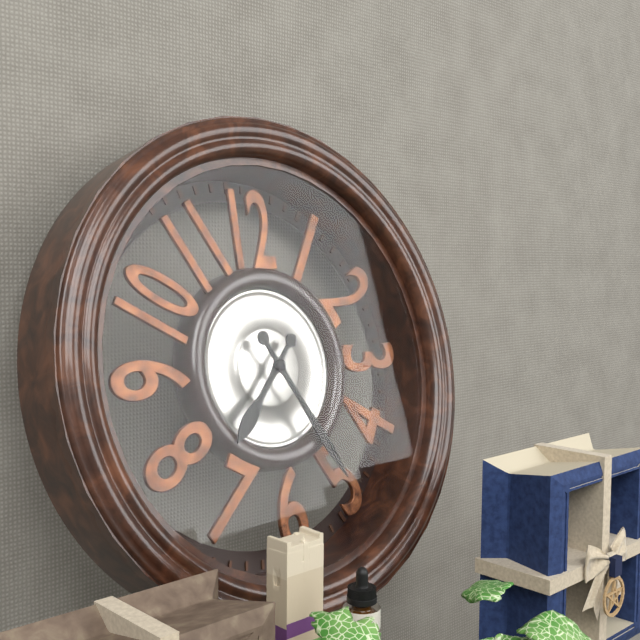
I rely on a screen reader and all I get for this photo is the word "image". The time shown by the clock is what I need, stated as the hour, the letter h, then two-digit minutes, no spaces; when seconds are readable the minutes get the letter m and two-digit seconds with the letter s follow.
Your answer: 7h25
